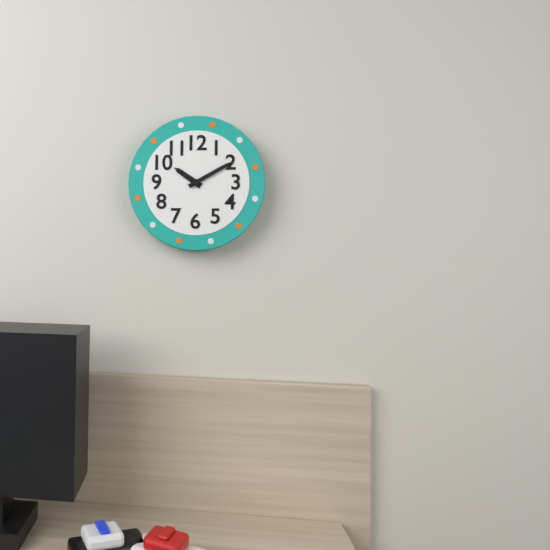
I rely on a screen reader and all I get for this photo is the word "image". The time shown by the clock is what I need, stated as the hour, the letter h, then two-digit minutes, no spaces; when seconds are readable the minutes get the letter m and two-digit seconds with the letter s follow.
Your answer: 10h10
